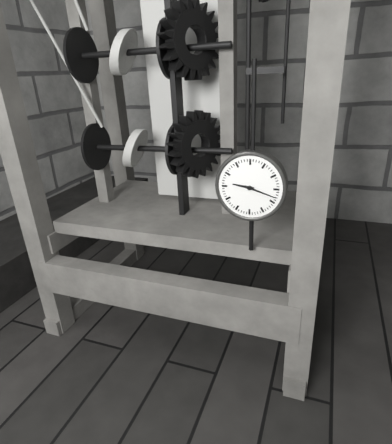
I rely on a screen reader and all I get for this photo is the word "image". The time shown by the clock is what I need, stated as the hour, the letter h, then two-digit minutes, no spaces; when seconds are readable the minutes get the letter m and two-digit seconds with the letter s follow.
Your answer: 9h18
